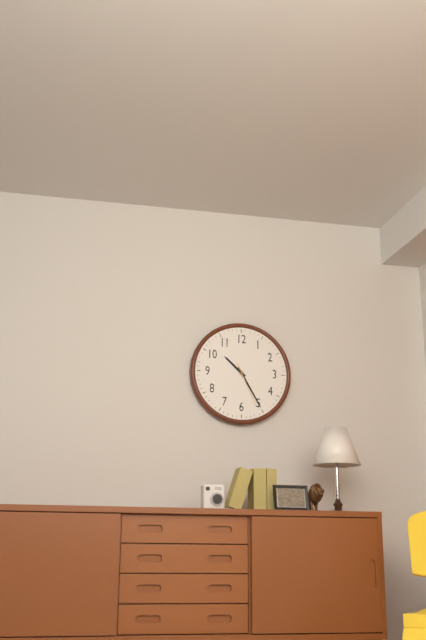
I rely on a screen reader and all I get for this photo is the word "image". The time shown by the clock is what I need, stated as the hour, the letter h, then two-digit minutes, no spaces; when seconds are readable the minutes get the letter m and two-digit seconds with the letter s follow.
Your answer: 10h25
